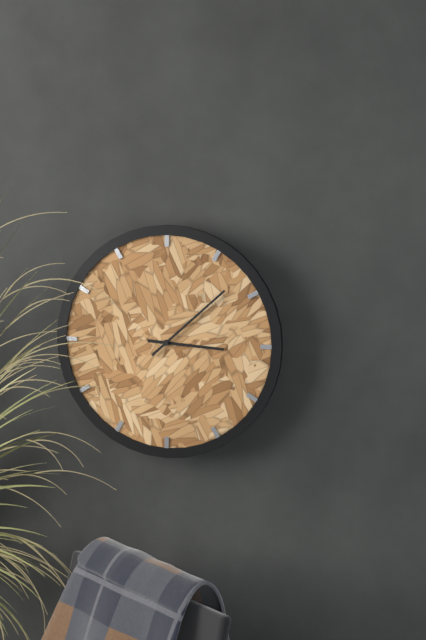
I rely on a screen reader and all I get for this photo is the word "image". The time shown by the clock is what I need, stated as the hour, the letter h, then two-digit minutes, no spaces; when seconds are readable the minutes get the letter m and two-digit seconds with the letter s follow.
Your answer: 3h08
